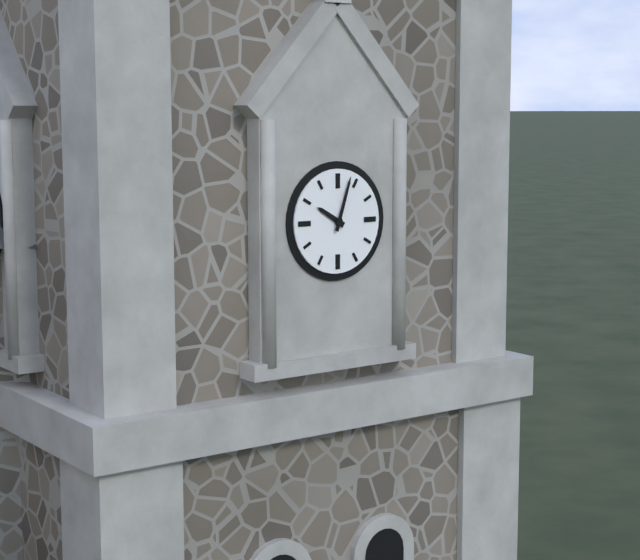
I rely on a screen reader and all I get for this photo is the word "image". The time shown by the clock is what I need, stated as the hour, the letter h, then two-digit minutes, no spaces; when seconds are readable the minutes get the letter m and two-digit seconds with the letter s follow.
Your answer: 10h03
